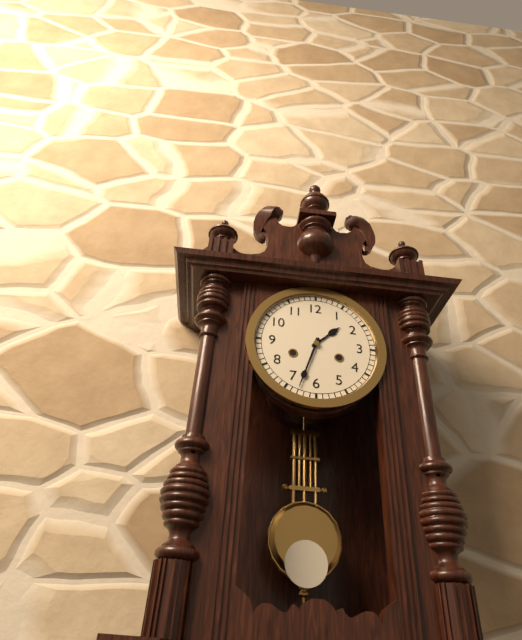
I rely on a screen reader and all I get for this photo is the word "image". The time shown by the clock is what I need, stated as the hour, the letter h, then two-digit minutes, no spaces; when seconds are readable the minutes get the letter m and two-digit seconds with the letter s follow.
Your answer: 1h33
